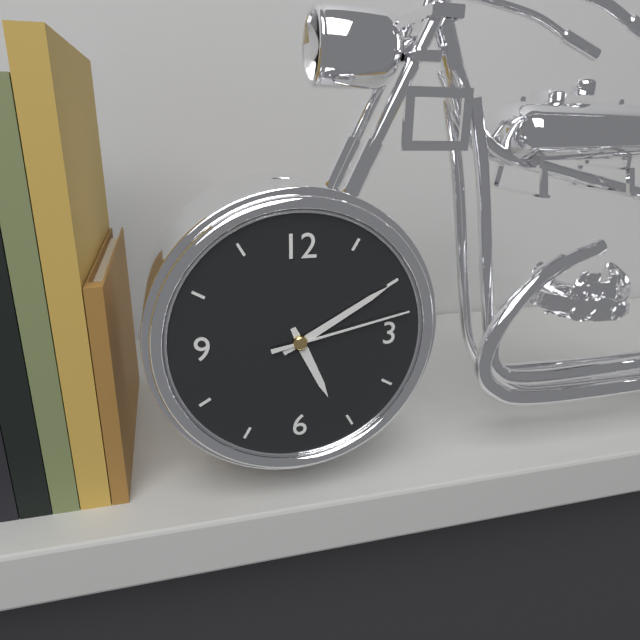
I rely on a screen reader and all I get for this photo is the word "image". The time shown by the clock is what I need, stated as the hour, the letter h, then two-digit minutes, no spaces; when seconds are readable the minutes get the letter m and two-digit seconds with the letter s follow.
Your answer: 5h10m13s
